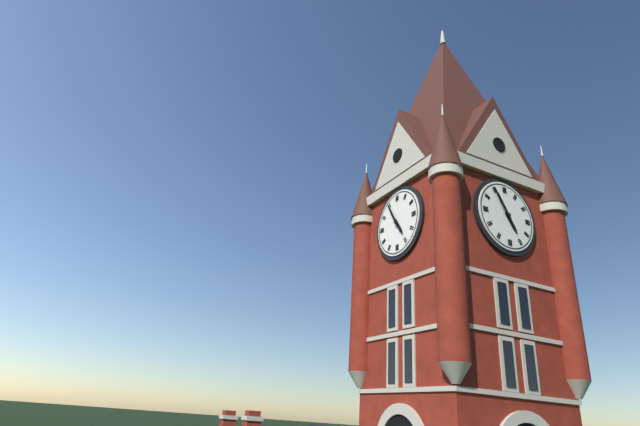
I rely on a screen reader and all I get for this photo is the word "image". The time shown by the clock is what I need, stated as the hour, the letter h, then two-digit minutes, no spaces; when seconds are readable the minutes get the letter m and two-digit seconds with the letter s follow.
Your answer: 4h55
